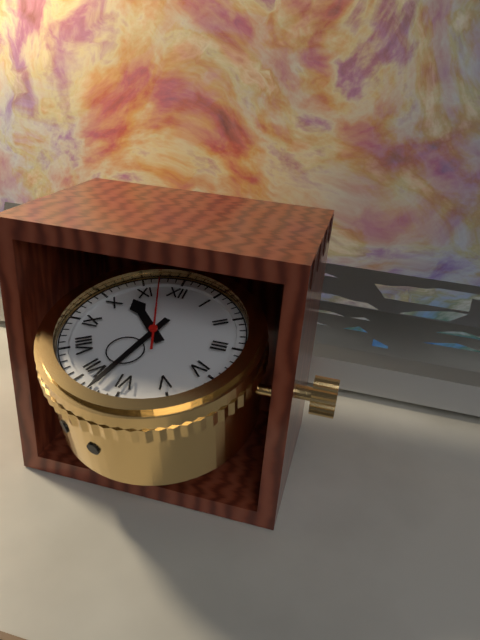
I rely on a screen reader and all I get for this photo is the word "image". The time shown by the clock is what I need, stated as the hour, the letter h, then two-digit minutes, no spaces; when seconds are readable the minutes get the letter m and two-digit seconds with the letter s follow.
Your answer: 10h33m57s
